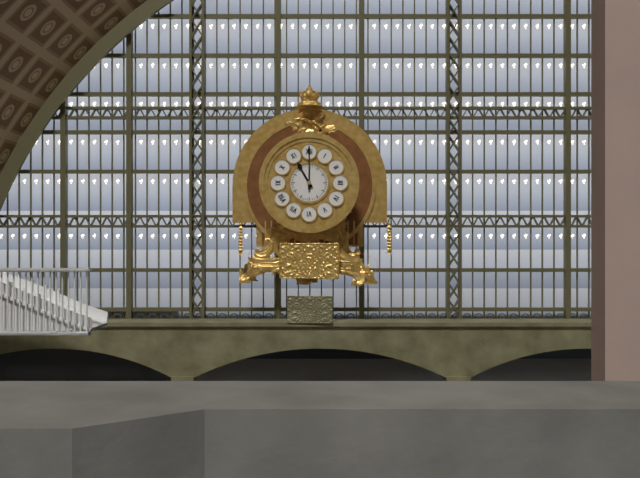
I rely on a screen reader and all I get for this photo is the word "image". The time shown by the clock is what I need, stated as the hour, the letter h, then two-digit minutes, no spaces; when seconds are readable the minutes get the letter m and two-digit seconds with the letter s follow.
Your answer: 11h00
